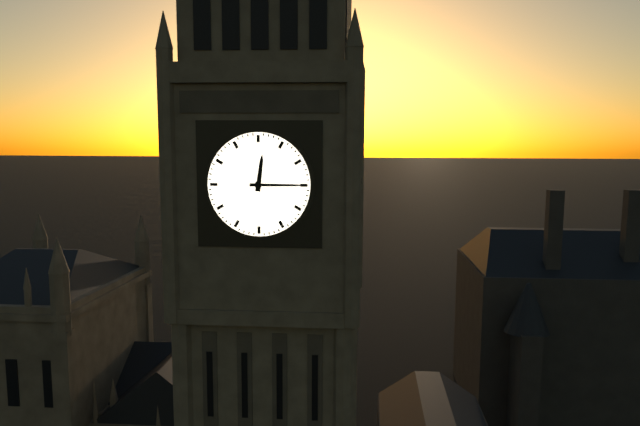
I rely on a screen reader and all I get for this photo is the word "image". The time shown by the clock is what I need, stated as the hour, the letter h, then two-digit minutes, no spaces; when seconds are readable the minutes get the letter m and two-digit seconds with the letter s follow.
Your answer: 12h15
